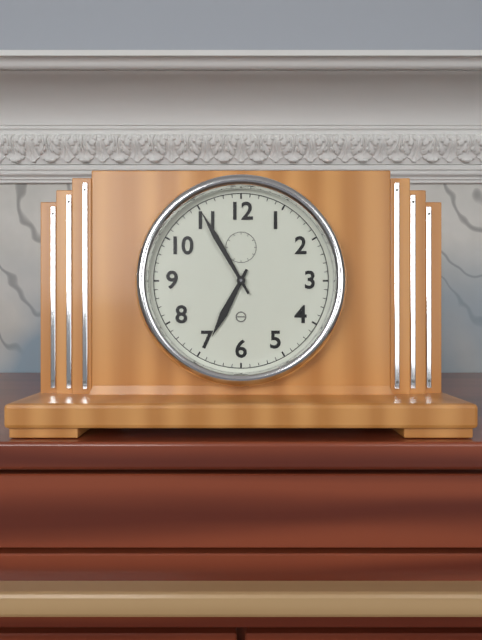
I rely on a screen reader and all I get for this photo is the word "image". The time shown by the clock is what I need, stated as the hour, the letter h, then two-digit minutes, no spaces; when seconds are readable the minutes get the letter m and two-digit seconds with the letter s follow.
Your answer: 6h55
